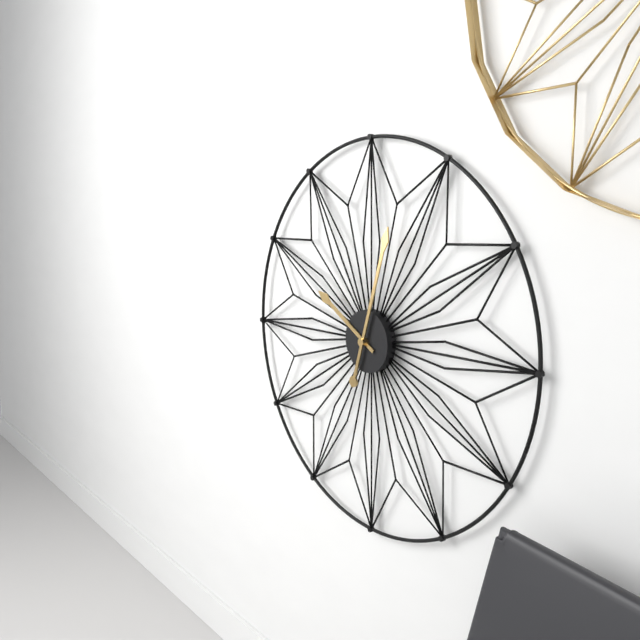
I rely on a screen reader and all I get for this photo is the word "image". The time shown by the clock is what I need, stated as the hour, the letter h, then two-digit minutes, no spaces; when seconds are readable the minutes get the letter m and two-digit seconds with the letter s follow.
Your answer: 10h03
